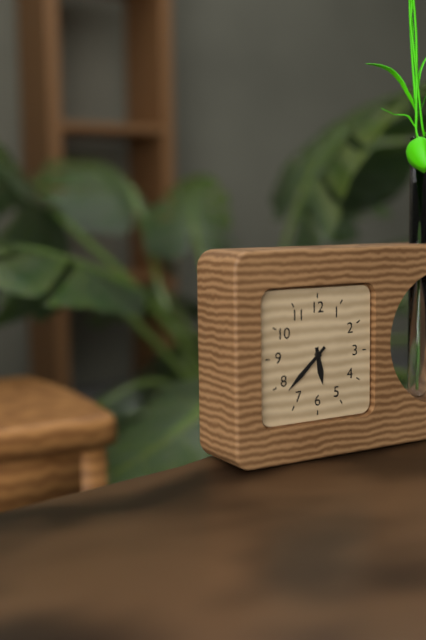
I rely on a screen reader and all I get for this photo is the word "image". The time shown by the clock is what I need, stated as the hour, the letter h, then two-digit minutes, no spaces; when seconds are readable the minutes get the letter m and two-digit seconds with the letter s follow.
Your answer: 5h38
